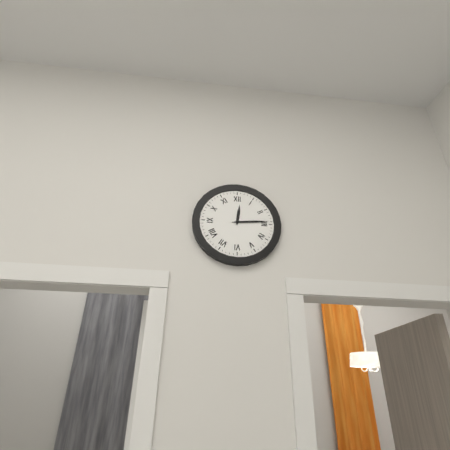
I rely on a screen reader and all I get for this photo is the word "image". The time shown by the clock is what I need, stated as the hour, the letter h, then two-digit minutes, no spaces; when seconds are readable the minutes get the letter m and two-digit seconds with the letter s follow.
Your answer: 12h14
